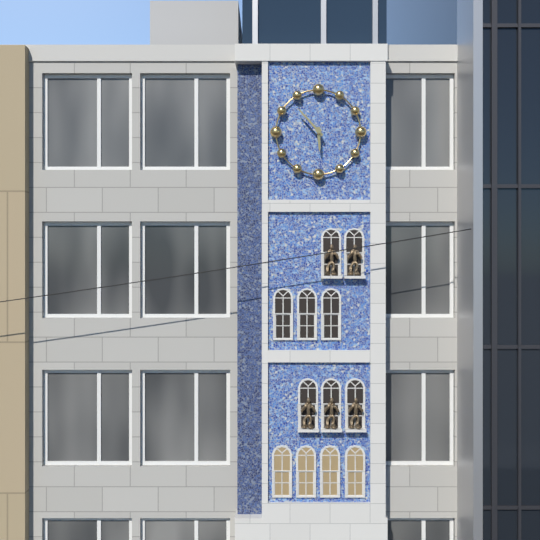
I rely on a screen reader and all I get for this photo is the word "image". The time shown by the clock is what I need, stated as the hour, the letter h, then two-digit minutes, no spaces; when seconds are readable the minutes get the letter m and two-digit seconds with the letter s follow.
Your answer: 5h53
